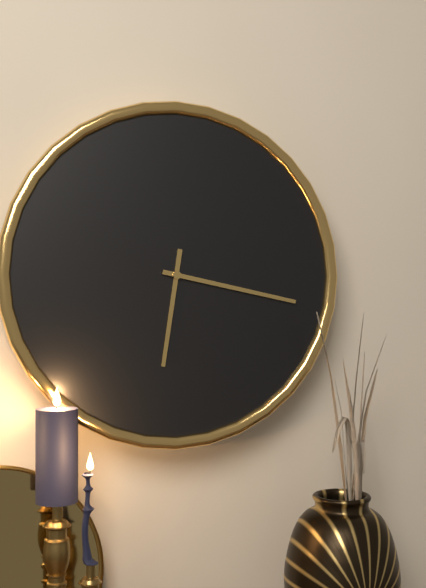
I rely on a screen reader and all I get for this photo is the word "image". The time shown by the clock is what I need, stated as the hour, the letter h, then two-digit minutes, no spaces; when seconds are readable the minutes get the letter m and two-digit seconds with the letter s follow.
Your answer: 6h17
